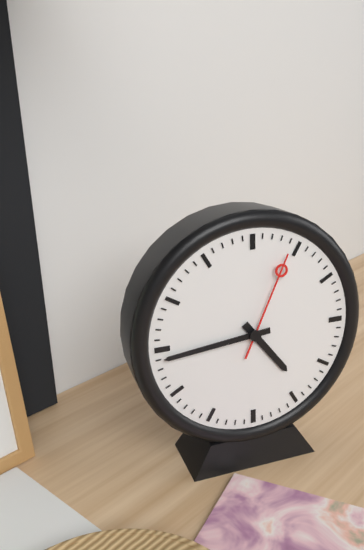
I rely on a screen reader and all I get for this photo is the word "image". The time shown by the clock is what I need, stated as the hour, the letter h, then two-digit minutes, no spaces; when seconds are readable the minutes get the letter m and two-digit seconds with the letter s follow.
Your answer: 4h44m04s
